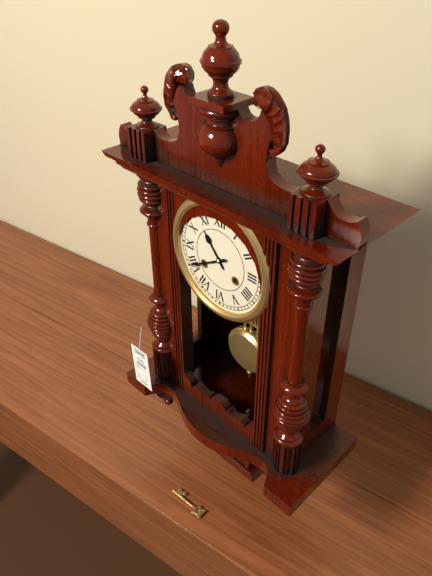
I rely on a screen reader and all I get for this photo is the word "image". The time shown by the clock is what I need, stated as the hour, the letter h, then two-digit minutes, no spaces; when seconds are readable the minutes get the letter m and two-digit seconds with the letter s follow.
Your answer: 10h40
